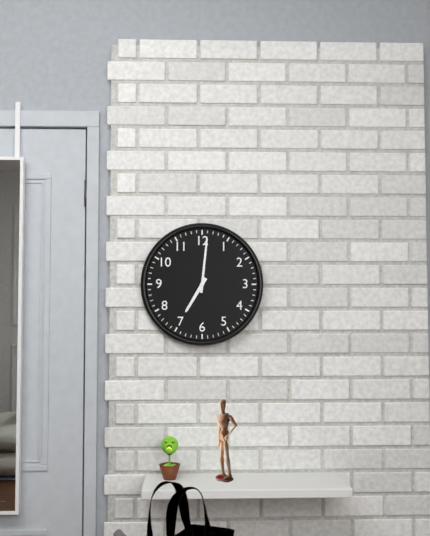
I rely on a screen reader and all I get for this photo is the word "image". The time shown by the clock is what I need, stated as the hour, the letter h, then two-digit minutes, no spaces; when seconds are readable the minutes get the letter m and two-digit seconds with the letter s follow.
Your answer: 7h01
